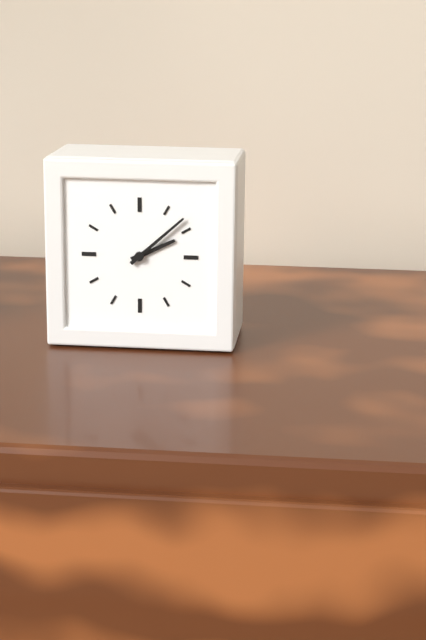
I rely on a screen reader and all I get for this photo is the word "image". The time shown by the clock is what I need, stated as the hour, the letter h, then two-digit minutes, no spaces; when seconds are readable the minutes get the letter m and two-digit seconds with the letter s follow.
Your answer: 2h08
